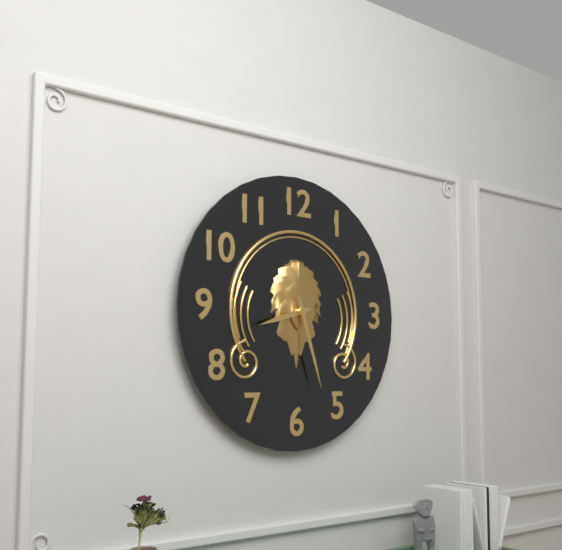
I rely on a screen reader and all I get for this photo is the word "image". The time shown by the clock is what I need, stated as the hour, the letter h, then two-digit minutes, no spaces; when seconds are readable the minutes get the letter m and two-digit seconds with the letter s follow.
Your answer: 8h27
